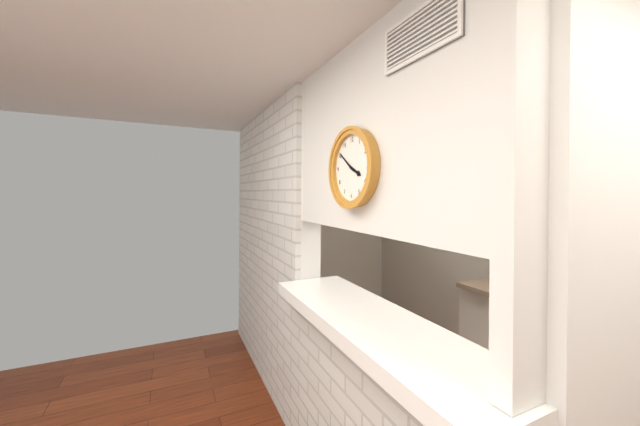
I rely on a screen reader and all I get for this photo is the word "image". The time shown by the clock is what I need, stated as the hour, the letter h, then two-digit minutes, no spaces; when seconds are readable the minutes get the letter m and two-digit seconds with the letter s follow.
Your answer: 3h51
